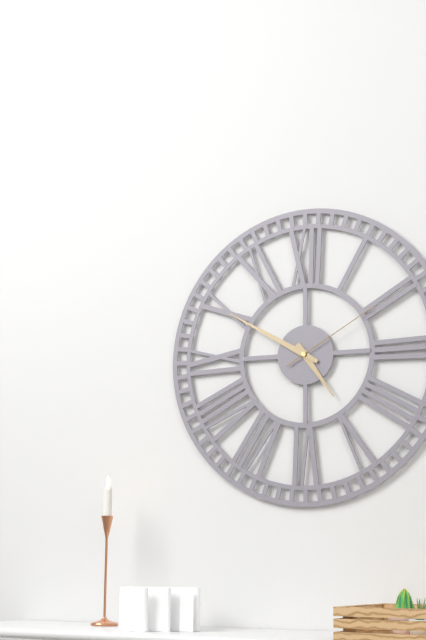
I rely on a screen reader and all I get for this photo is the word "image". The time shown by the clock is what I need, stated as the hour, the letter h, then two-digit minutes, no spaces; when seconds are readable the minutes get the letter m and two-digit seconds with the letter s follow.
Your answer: 4h50m10s
